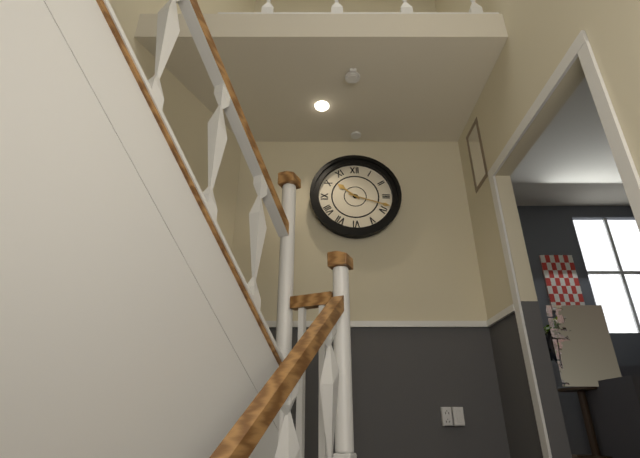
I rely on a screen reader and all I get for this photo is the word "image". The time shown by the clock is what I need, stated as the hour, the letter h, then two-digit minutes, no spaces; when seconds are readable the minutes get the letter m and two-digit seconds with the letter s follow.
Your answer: 10h18
